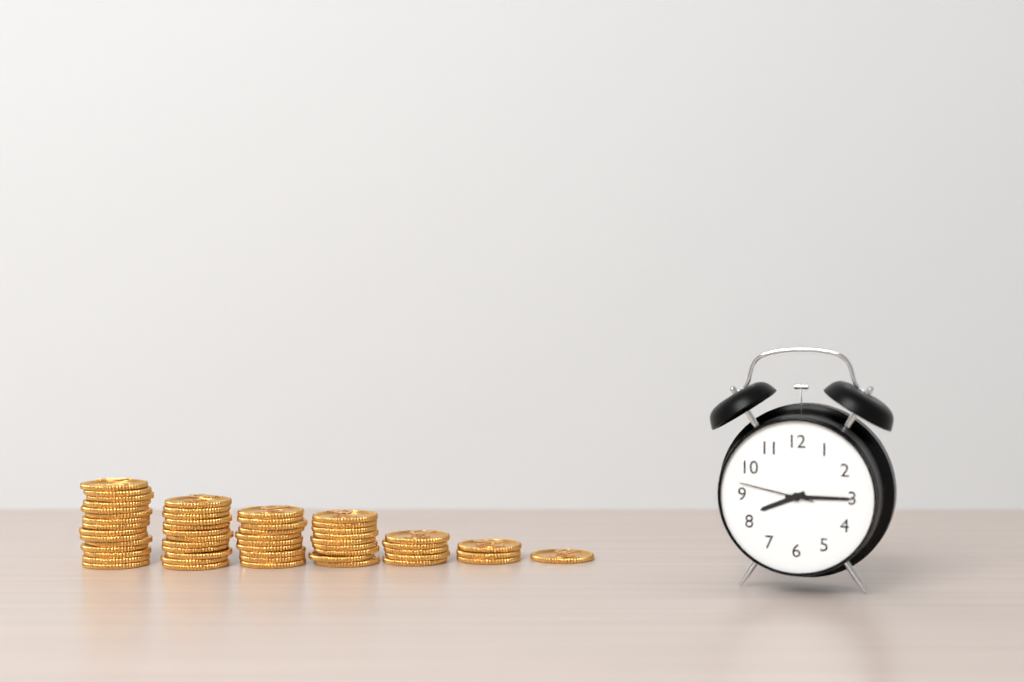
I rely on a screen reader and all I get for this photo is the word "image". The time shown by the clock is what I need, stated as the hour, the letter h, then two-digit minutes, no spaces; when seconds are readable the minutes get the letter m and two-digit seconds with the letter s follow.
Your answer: 8h15m47s
